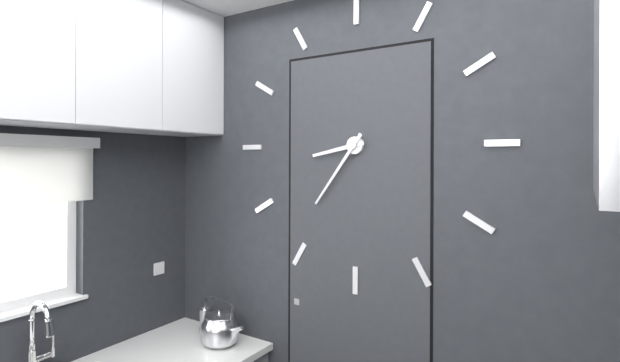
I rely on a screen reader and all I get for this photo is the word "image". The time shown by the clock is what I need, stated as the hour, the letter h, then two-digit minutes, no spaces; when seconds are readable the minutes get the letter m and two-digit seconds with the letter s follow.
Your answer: 8h36
